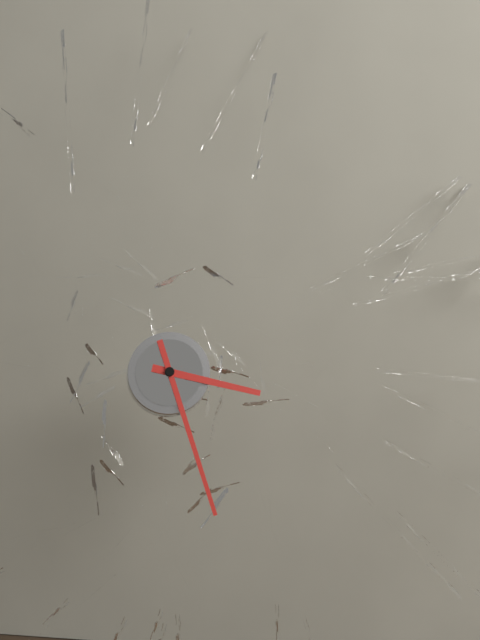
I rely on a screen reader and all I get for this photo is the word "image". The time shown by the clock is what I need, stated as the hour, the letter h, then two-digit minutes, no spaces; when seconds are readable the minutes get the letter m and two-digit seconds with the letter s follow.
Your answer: 3h27
